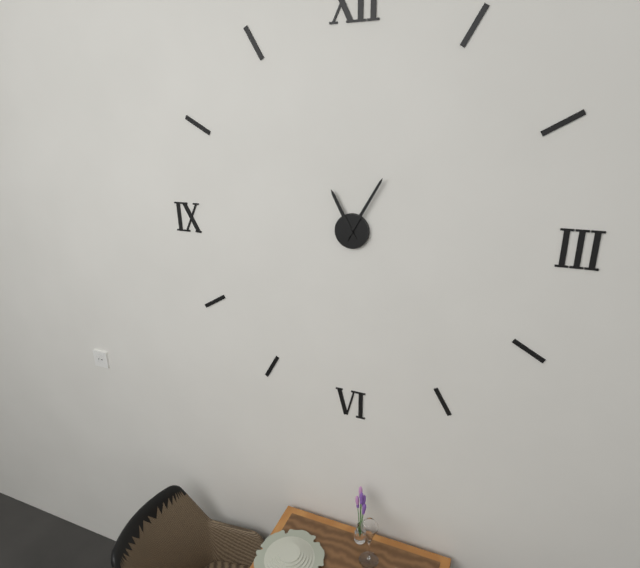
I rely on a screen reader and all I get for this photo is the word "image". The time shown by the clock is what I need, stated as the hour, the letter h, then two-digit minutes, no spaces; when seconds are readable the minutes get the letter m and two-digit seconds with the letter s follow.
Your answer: 11h05
